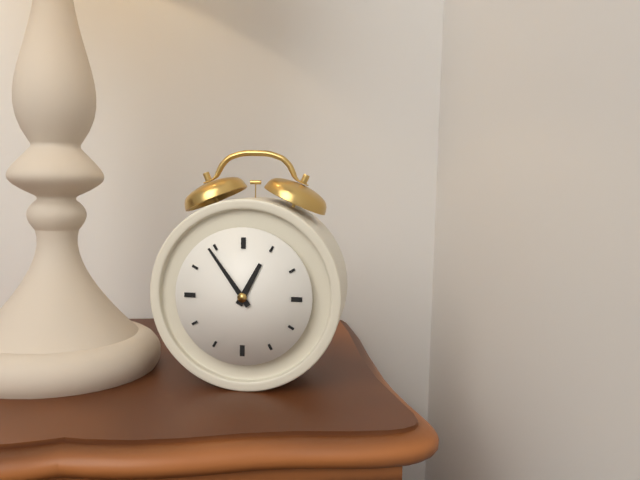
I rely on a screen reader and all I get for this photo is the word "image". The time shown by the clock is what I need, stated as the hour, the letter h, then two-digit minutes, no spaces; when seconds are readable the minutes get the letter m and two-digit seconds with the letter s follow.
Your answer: 12h54
